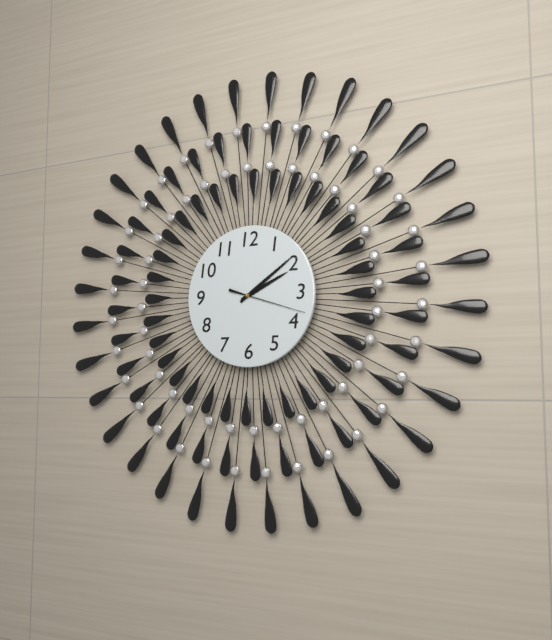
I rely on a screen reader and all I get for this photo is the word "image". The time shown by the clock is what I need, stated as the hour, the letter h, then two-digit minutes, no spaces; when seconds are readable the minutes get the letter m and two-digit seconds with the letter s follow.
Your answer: 2h09m18s
